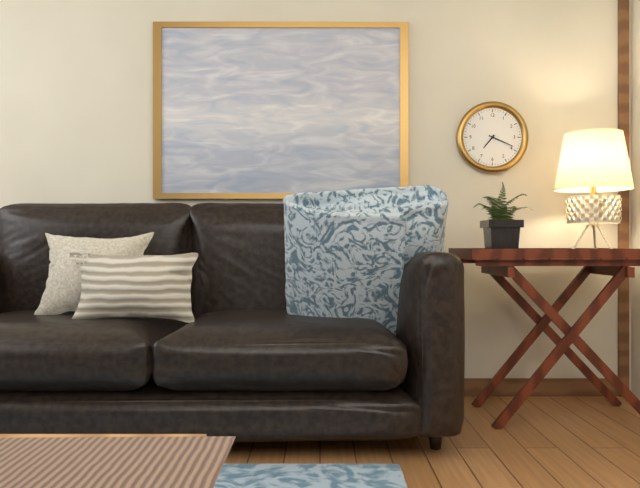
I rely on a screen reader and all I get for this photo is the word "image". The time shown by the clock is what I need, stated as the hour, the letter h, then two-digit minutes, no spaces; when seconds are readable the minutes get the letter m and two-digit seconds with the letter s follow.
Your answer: 7h19
